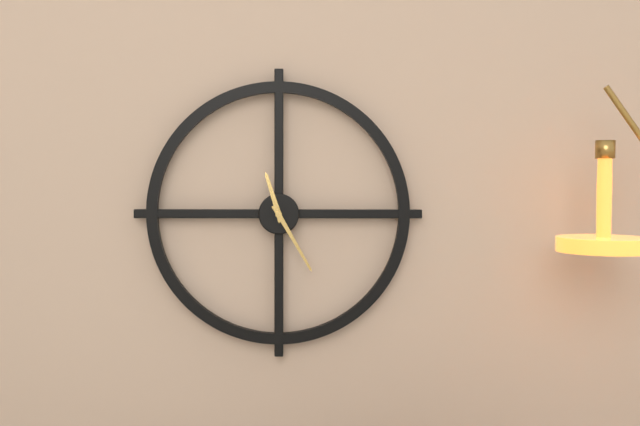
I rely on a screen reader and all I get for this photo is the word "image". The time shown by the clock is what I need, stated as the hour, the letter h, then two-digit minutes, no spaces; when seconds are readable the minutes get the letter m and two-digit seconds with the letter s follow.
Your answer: 11h25
